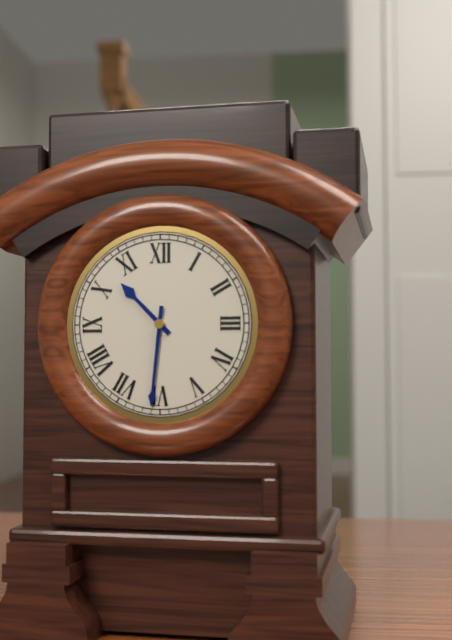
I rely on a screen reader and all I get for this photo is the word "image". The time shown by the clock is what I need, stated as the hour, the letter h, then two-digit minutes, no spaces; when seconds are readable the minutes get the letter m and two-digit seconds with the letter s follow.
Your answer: 10h31
